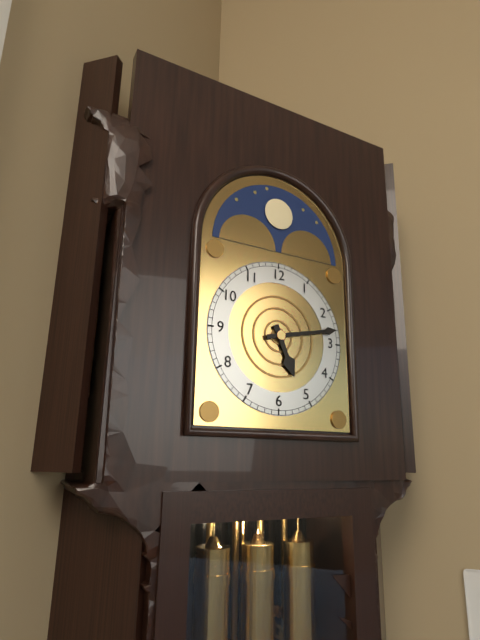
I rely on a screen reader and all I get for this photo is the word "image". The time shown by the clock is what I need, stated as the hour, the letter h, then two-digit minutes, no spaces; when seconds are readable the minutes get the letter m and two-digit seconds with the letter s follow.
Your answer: 5h13
